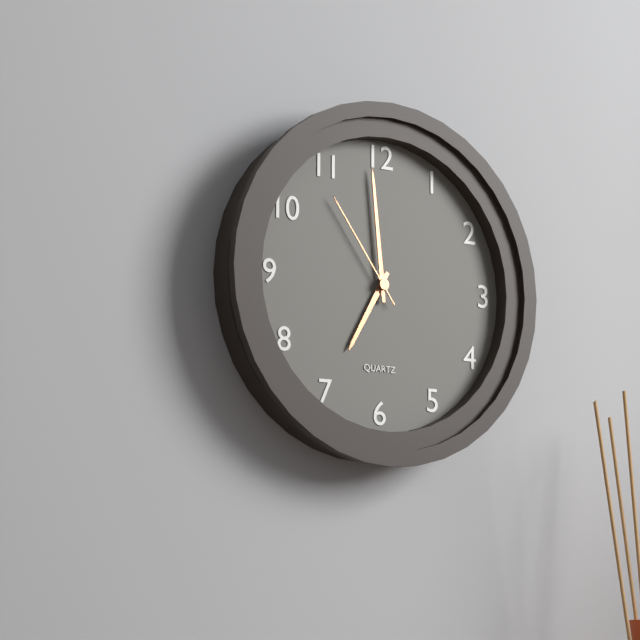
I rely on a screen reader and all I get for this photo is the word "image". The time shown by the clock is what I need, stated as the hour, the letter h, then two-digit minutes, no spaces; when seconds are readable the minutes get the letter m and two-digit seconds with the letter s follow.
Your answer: 6h59m54s
